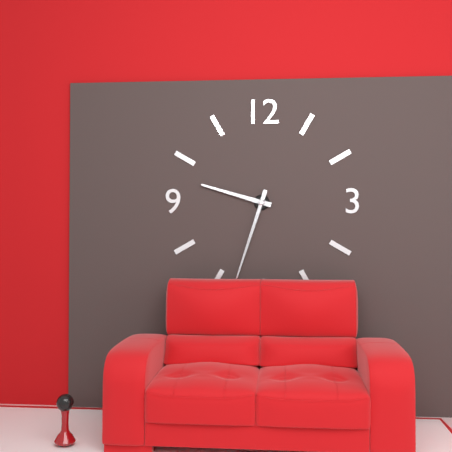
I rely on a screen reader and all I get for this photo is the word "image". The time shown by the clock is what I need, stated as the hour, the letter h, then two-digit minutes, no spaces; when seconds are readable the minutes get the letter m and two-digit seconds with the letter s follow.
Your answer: 9h33
